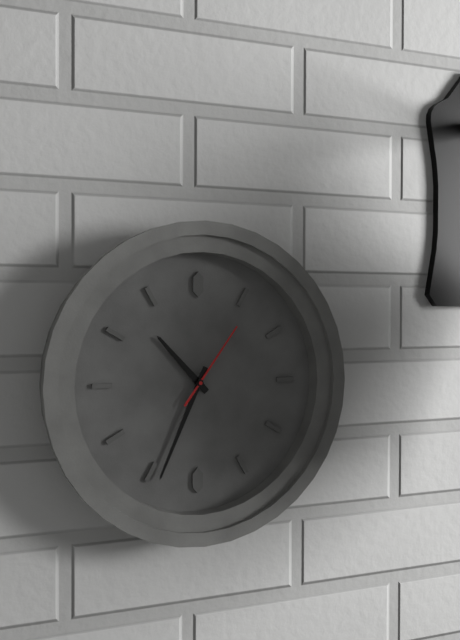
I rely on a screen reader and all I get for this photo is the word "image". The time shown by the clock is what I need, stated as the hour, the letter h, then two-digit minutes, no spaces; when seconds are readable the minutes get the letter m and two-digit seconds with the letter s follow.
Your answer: 10h34m06s
